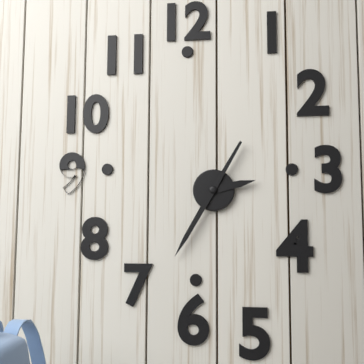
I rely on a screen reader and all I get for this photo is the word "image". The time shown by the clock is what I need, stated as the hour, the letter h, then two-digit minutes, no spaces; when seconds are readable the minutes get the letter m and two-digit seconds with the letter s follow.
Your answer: 2h35
